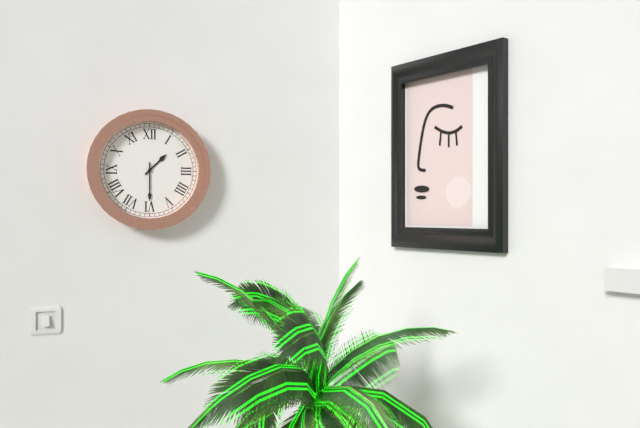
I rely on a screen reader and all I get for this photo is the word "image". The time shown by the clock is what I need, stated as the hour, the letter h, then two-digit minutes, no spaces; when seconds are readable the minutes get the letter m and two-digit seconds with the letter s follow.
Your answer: 1h30
